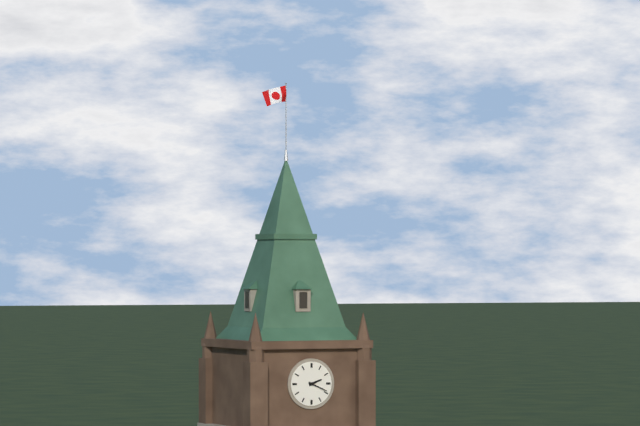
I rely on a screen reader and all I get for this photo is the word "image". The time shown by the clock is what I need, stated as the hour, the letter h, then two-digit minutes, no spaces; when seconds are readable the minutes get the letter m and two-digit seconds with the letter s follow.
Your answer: 2h19
